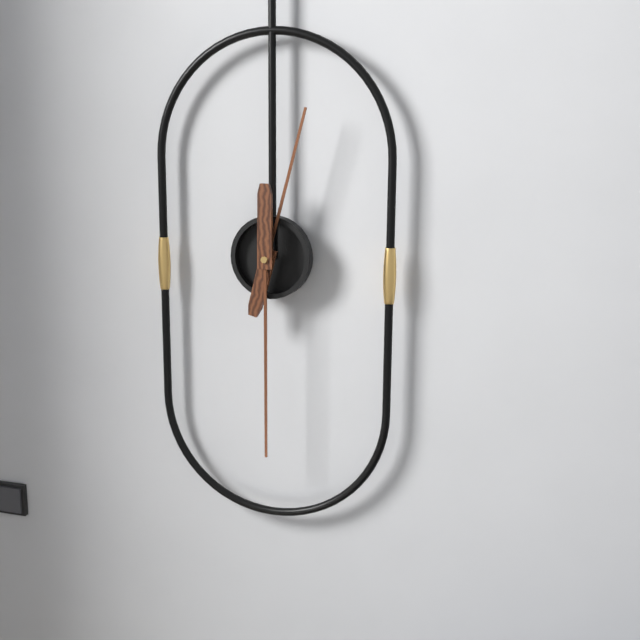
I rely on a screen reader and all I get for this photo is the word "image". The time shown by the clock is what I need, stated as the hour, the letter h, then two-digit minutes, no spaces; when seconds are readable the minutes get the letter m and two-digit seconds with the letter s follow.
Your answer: 12h30
